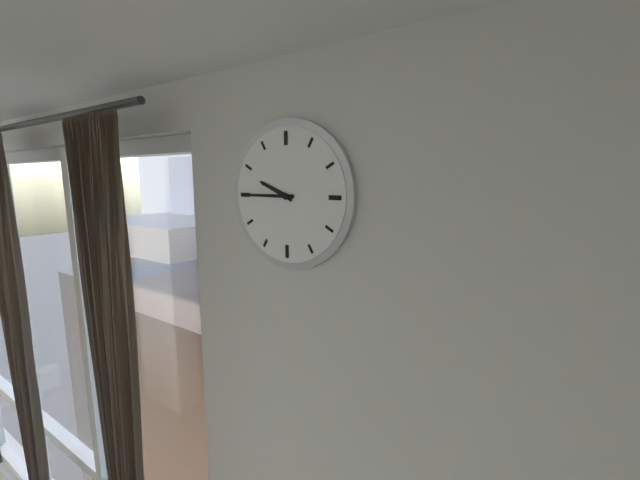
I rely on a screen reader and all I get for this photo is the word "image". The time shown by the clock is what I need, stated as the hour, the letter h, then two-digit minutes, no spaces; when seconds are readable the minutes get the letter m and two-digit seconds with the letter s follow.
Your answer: 9h45
